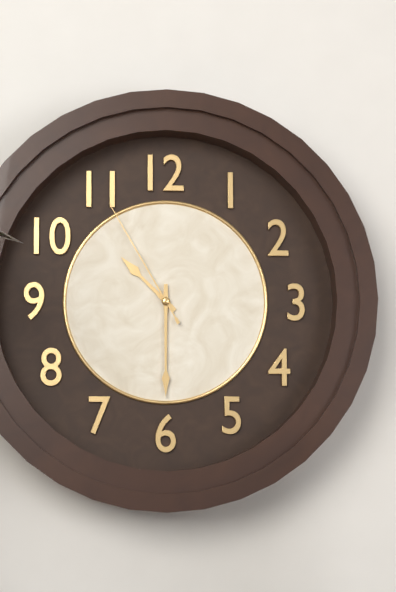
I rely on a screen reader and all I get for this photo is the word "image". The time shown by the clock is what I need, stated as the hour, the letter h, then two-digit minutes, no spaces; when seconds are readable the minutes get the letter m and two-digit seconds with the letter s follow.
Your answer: 10h30m55s
